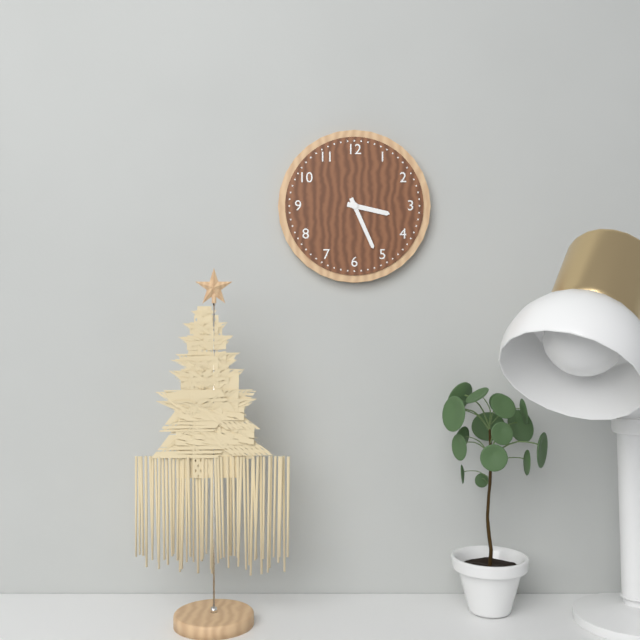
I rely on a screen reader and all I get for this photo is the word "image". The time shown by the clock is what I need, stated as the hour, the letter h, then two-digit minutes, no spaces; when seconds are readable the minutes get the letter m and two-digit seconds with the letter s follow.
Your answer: 3h26
